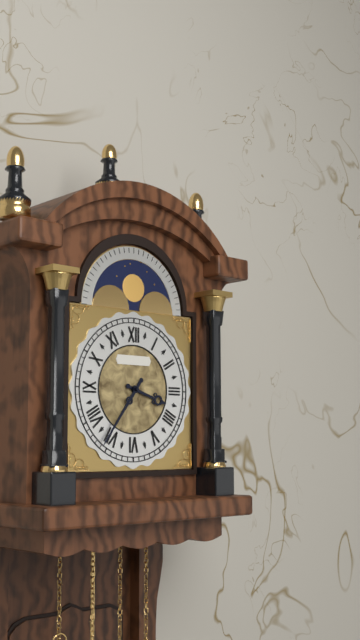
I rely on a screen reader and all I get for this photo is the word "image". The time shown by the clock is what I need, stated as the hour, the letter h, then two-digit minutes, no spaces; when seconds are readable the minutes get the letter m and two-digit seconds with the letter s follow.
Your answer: 3h36
